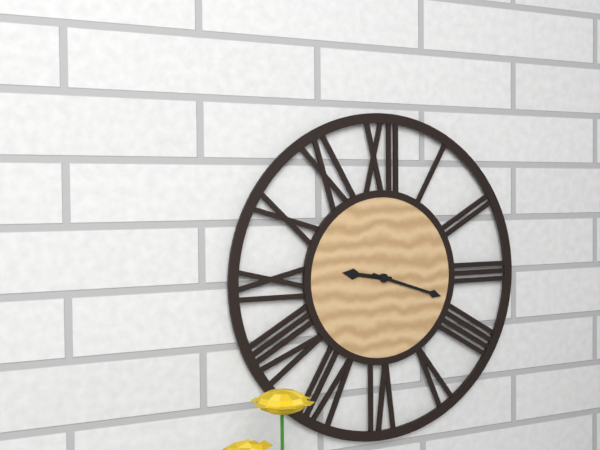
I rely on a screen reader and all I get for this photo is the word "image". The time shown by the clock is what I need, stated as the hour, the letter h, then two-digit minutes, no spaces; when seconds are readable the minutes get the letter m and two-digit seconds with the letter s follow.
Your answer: 9h18
